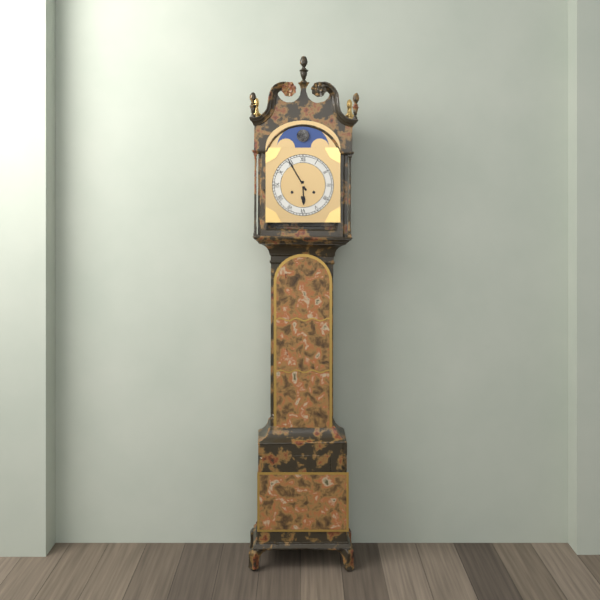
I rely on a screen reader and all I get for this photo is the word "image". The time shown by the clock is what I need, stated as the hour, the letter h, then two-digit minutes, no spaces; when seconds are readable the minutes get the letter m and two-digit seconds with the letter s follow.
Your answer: 5h55
